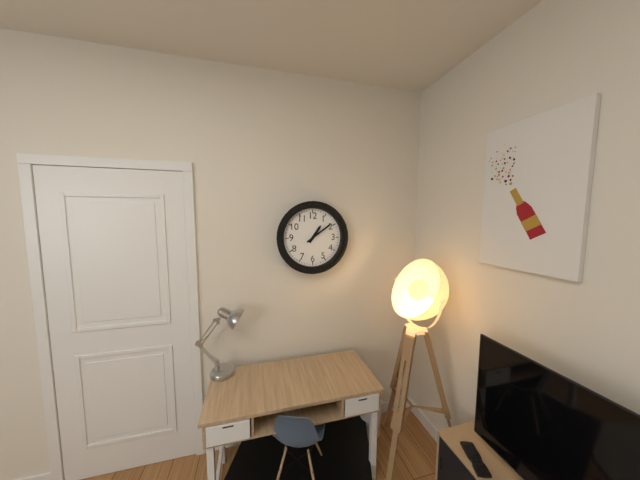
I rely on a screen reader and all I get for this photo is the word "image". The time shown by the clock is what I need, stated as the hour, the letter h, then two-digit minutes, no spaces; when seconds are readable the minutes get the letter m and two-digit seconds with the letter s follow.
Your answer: 1h09
